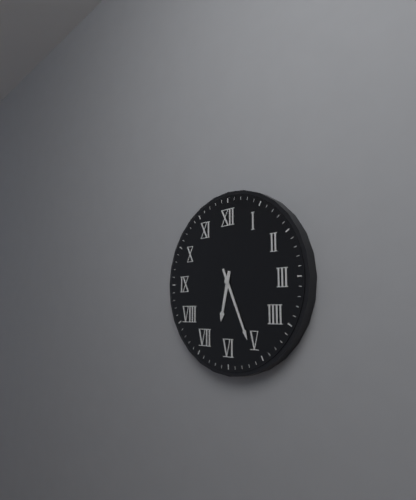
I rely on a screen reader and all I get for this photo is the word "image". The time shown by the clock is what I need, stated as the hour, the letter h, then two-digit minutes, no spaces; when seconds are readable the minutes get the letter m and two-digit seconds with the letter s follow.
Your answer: 6h26
